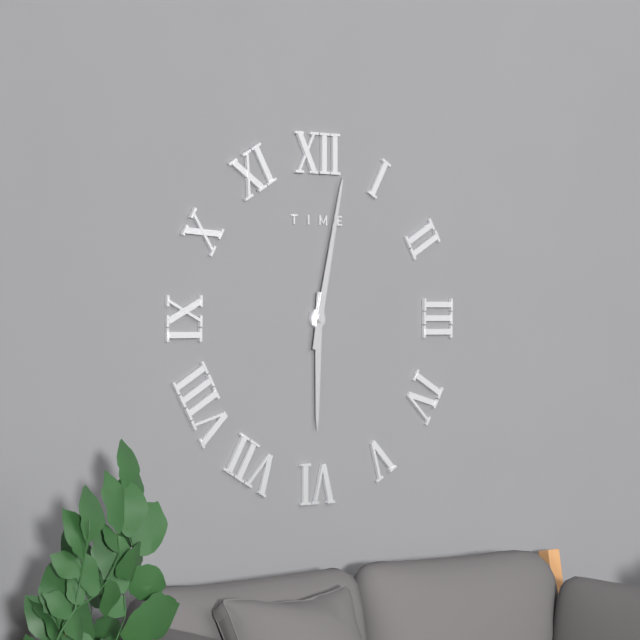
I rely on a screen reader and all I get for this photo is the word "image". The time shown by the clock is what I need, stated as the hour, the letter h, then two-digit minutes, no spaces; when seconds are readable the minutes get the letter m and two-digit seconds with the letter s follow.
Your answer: 6h02
